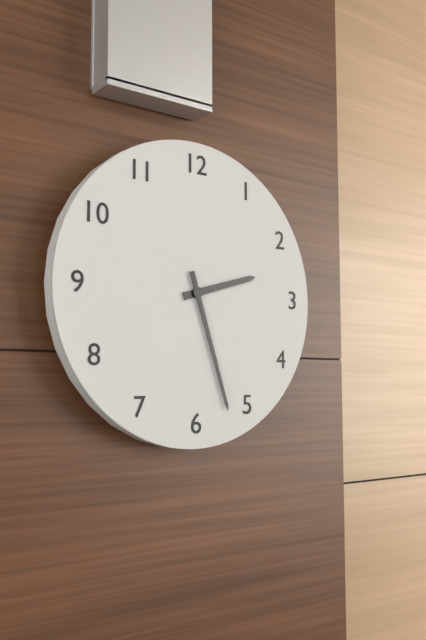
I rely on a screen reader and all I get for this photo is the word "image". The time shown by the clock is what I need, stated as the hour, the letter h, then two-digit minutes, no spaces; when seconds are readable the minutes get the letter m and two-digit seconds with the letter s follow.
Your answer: 2h27
